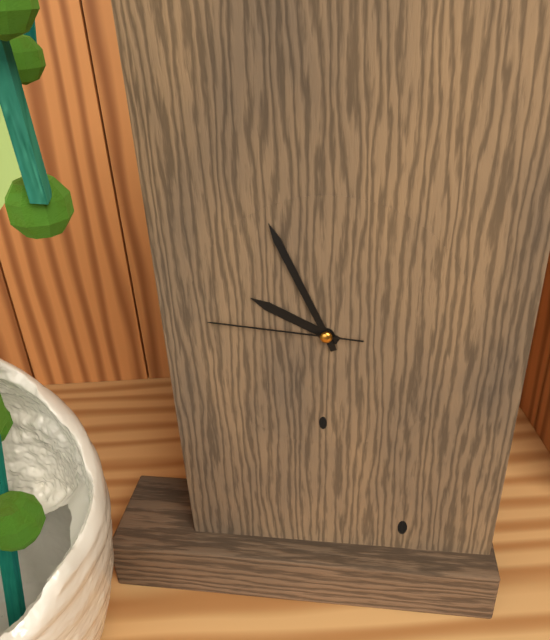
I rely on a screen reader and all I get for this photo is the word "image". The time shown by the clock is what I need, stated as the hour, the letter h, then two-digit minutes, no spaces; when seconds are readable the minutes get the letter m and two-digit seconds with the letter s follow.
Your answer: 9h56m46s
